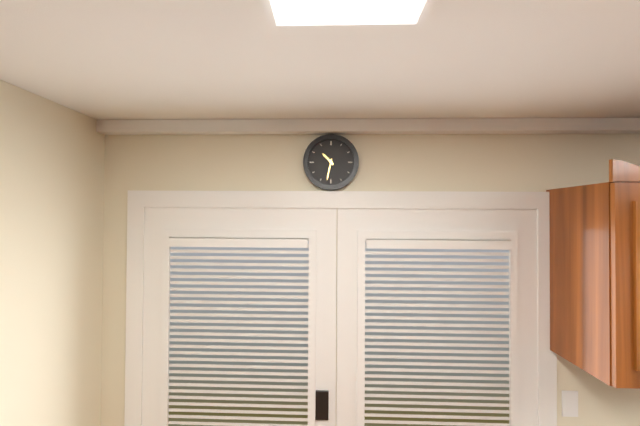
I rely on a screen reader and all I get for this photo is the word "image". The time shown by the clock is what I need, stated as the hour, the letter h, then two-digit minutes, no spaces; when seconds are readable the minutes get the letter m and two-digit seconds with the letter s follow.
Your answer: 10h32
